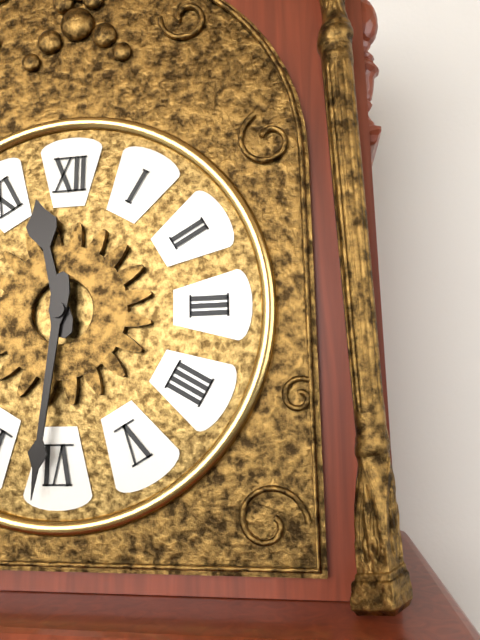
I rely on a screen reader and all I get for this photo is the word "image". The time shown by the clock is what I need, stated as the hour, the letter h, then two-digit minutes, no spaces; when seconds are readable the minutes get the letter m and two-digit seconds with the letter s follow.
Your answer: 11h31
